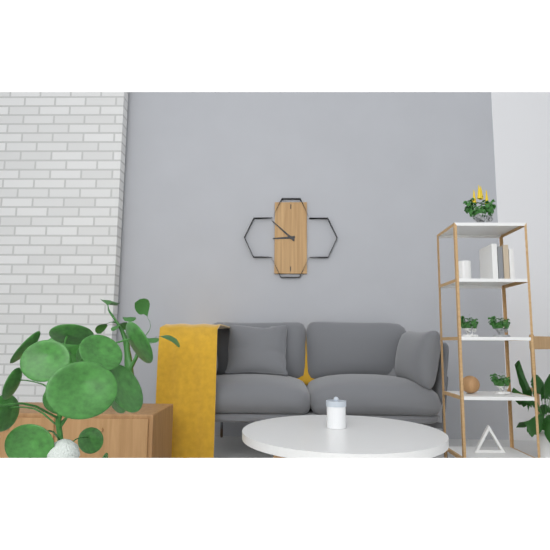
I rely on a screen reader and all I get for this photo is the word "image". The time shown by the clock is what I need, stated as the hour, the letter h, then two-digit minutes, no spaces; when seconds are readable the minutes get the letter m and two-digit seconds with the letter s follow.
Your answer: 8h52
